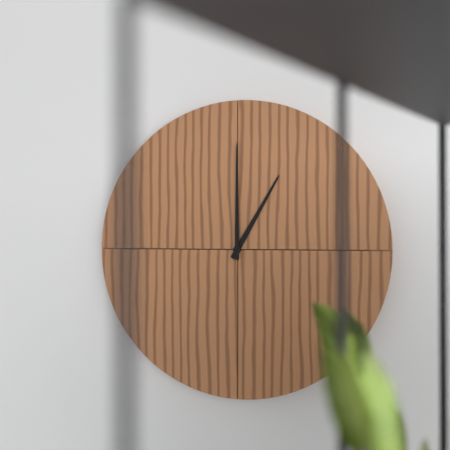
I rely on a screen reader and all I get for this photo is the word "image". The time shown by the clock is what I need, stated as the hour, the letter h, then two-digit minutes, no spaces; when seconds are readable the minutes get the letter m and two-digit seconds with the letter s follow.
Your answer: 1h00
